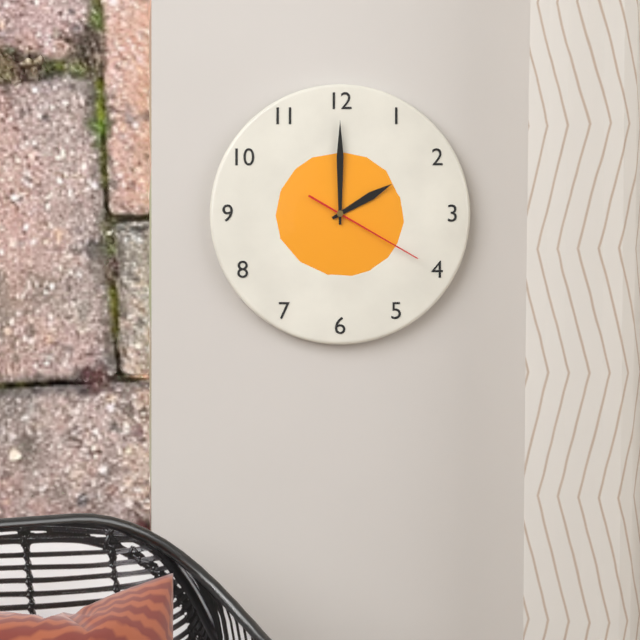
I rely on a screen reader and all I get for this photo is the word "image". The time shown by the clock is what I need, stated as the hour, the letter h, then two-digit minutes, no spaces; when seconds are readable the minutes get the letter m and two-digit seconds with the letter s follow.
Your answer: 2h00m20s
